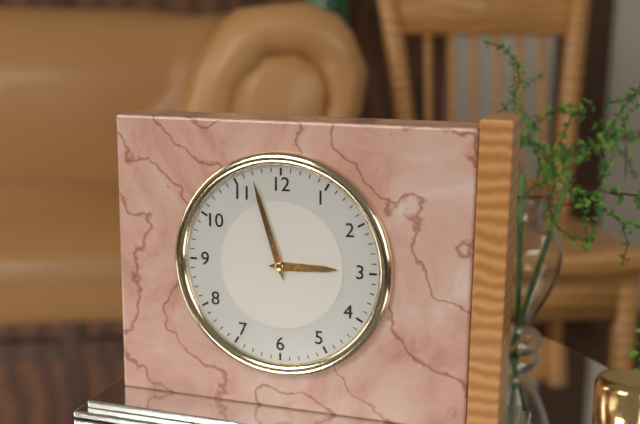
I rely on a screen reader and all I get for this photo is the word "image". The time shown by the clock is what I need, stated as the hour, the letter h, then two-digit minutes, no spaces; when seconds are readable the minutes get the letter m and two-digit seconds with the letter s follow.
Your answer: 2h57
